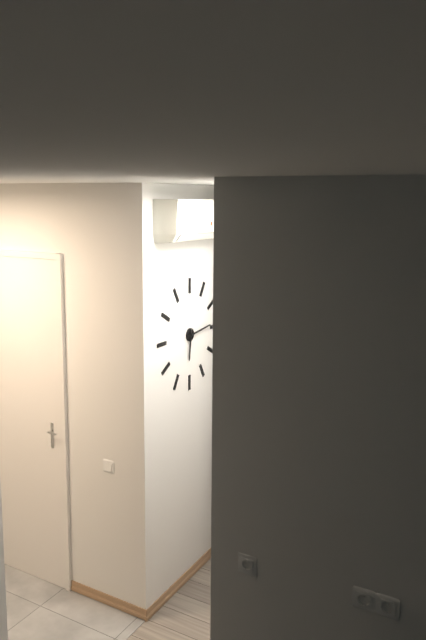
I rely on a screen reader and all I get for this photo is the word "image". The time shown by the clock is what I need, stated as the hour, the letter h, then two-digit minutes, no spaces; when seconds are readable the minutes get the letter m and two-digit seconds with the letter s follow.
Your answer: 6h14
